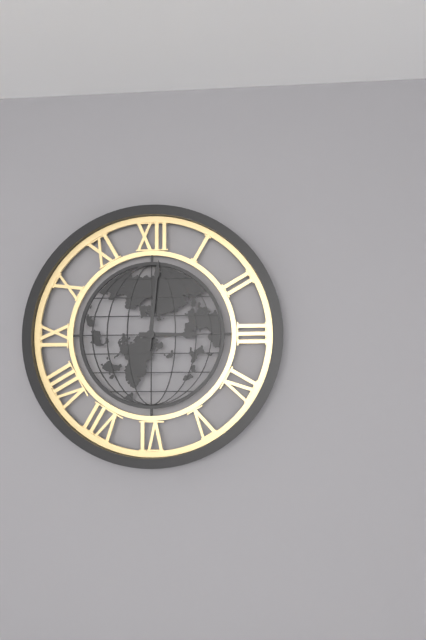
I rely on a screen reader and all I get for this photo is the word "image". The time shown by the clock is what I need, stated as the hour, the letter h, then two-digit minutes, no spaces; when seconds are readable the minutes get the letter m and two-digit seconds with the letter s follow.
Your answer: 3h01
